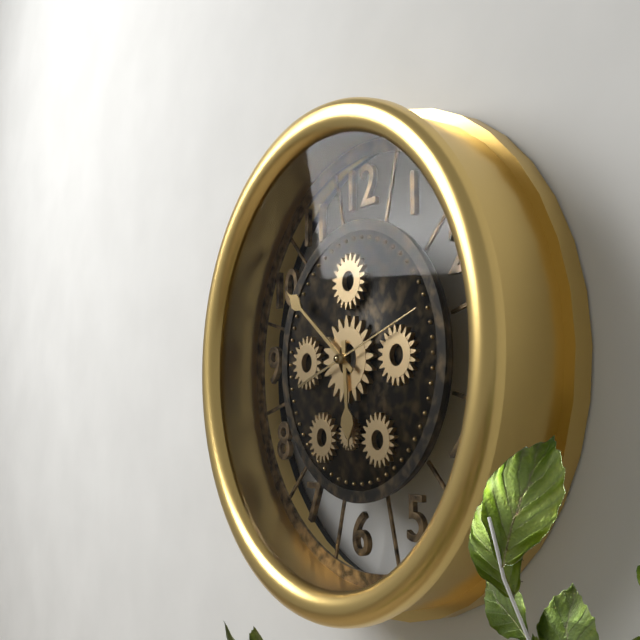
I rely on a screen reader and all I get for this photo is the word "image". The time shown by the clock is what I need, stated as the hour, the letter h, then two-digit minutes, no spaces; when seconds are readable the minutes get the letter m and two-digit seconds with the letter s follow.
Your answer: 5h51m12s
